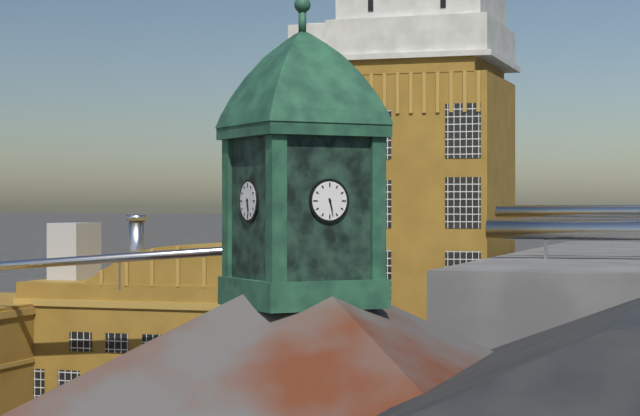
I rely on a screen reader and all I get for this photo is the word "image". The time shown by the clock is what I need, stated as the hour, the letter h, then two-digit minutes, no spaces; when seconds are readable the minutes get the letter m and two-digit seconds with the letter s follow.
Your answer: 5h28
